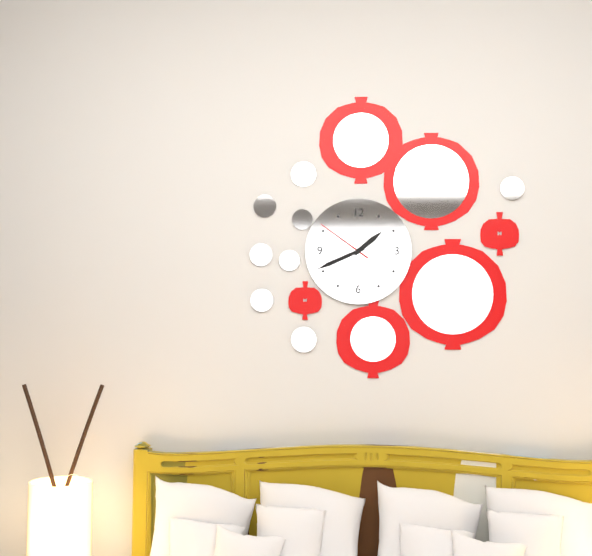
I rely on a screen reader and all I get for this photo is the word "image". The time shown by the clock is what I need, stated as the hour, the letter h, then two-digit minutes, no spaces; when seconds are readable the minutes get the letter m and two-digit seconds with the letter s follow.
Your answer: 1h41m51s
